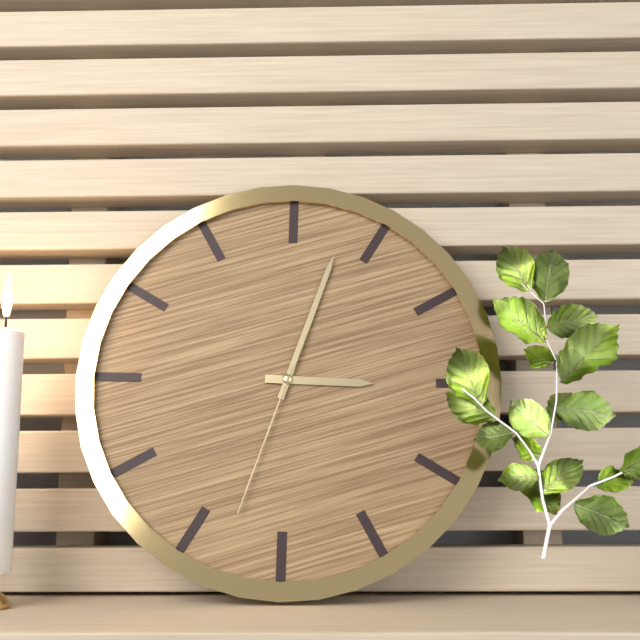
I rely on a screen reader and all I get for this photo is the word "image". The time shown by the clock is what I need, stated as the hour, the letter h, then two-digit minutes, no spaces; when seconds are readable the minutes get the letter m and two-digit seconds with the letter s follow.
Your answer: 3h03m33s
